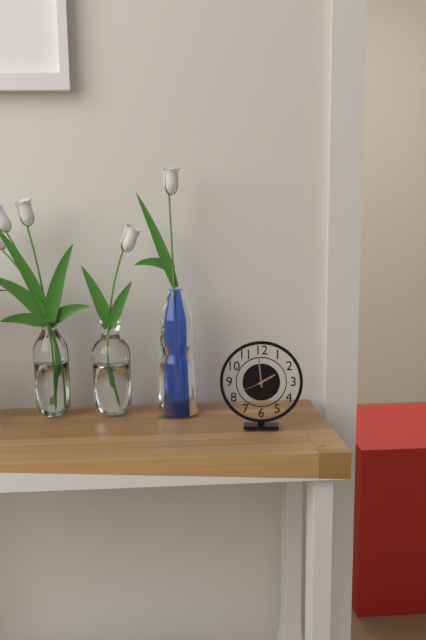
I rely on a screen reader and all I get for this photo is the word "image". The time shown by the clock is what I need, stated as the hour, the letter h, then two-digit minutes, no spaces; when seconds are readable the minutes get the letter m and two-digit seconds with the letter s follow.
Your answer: 1h59
